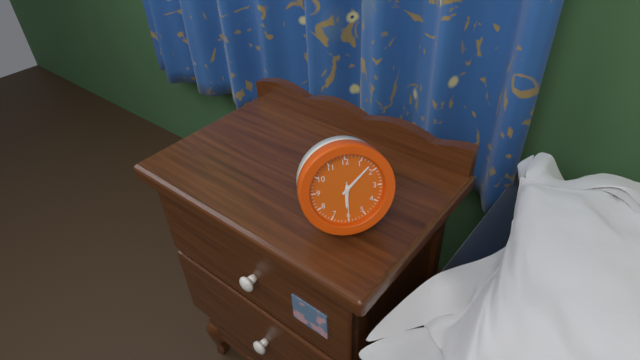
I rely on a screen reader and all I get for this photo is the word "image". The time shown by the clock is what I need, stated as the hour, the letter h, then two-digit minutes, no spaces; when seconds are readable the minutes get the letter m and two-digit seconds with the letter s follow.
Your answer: 6h08
